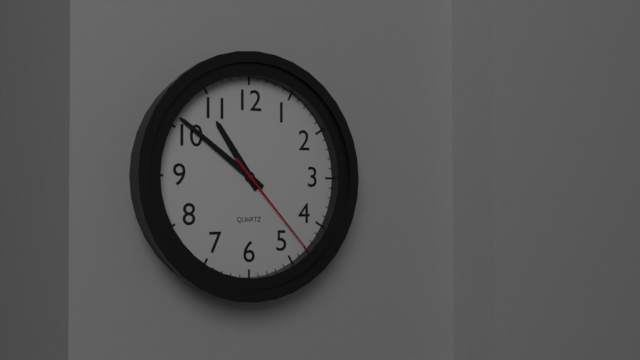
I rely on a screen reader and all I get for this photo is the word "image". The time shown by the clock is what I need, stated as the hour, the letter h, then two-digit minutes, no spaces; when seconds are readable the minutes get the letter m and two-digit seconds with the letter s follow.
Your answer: 10h51m23s
